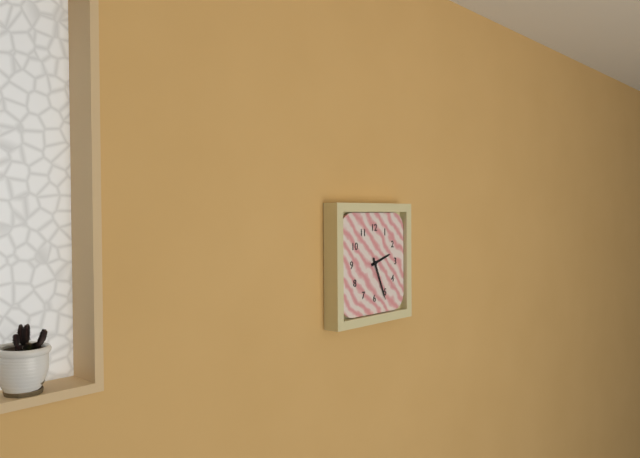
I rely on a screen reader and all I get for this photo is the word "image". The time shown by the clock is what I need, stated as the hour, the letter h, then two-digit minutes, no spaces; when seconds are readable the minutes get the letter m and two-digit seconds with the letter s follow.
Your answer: 2h26
